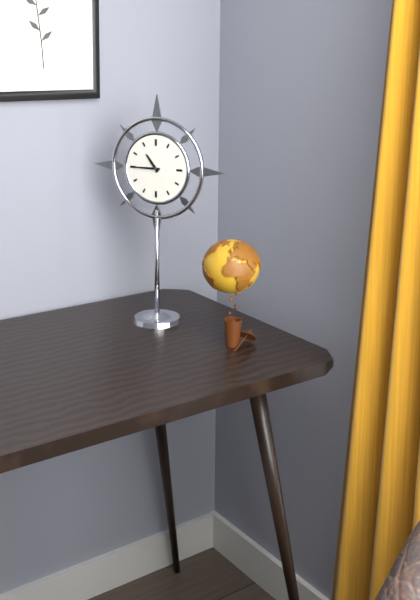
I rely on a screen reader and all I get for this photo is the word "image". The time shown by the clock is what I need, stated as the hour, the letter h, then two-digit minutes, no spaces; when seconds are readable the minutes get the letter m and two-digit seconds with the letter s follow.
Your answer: 10h45
